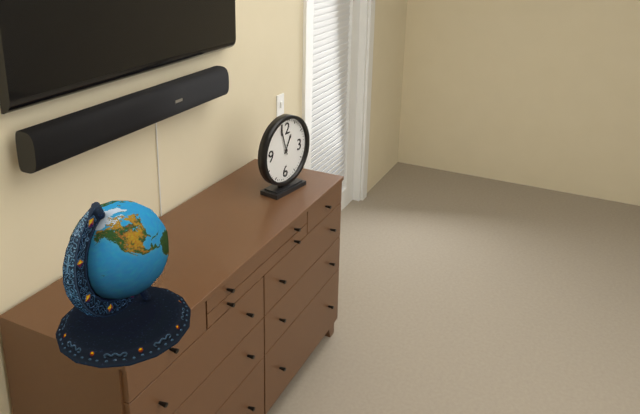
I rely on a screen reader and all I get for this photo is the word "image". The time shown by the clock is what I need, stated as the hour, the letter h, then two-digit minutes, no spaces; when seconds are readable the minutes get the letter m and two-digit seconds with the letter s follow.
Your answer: 12h57
